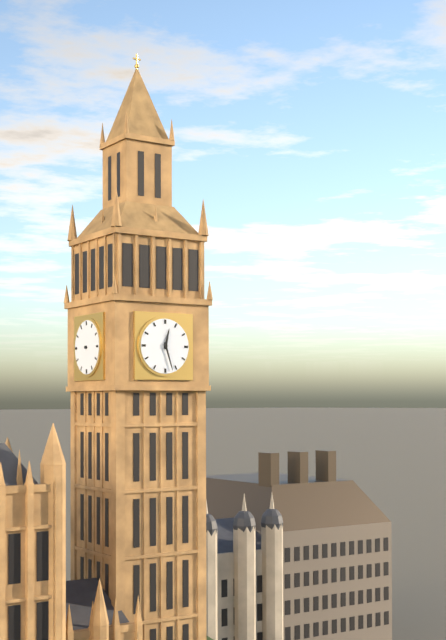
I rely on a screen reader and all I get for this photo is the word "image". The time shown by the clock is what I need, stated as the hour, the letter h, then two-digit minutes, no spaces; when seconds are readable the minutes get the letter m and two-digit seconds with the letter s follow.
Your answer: 12h27
